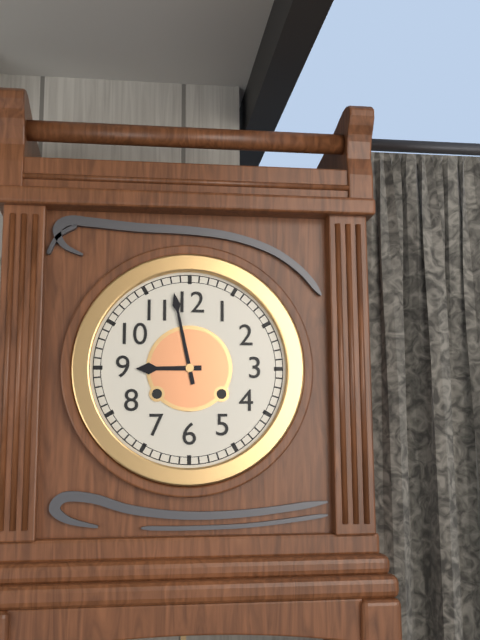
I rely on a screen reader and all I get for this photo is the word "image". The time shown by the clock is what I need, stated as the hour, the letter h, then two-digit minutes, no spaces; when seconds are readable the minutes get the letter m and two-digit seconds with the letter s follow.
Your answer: 8h58
